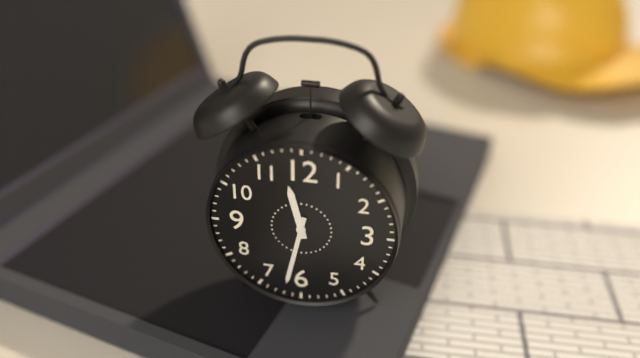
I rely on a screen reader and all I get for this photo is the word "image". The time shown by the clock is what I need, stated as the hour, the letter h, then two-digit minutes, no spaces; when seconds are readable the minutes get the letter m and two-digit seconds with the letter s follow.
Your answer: 11h32
